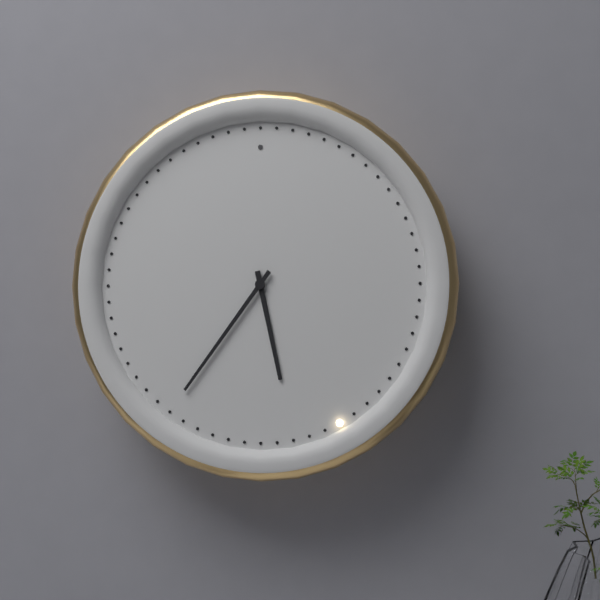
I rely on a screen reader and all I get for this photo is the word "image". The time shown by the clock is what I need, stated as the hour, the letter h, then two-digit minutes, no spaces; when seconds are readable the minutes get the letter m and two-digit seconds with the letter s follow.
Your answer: 5h36
